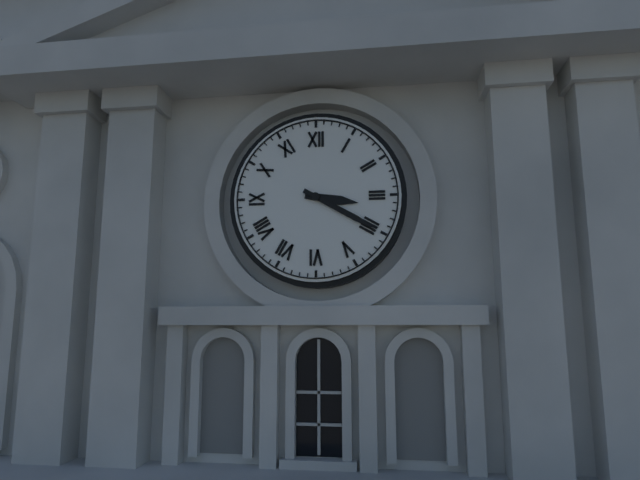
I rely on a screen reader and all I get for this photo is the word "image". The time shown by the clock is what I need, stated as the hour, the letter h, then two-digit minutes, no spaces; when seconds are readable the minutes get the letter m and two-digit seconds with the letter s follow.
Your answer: 3h20
